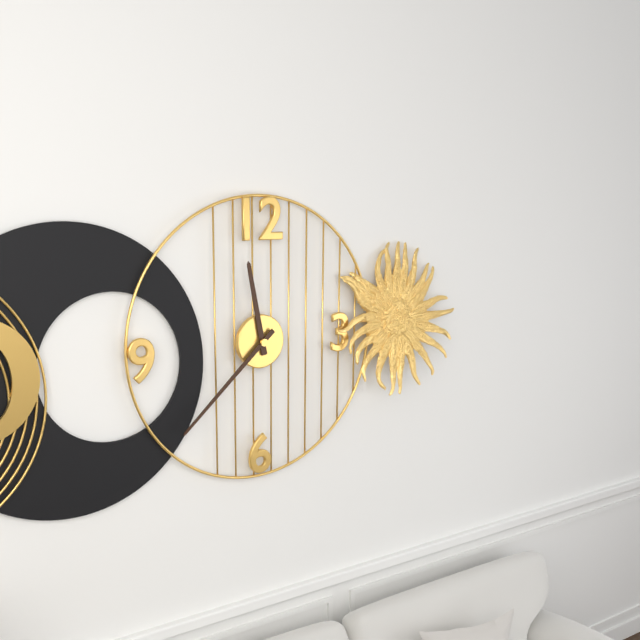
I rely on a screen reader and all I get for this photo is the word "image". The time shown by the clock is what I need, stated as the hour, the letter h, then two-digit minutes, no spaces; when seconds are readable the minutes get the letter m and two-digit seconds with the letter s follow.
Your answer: 11h38
